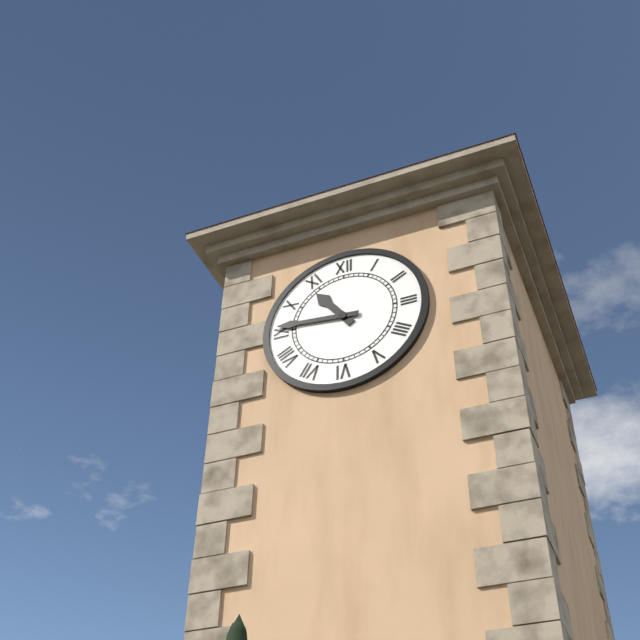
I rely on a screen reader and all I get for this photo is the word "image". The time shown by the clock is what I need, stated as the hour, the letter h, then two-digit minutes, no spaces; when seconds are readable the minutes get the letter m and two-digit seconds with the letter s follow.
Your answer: 10h46
